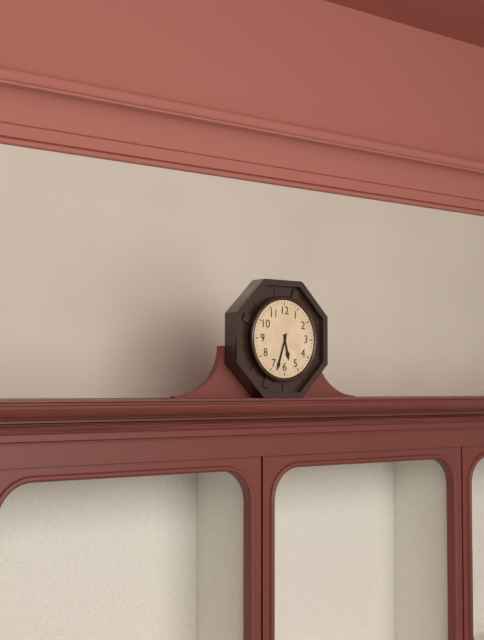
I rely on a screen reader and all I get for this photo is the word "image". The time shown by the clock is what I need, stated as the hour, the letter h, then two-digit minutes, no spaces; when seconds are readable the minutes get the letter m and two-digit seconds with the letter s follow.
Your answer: 5h33
